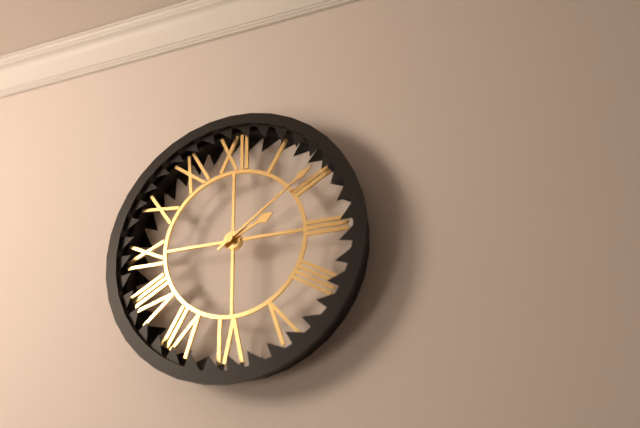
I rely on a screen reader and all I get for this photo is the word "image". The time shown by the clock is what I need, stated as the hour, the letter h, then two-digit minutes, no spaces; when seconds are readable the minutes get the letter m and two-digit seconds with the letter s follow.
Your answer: 2h09
